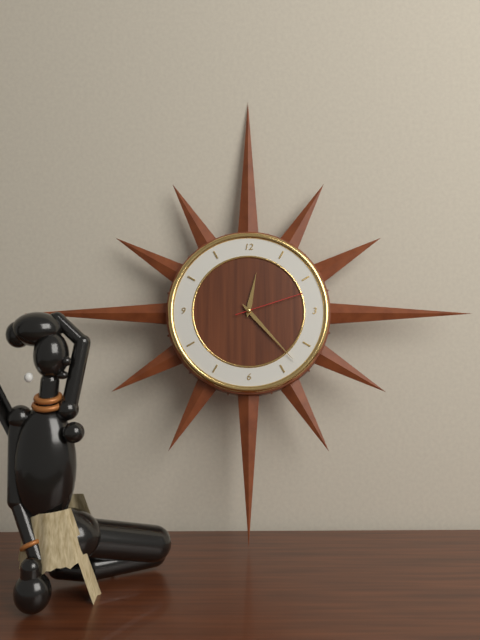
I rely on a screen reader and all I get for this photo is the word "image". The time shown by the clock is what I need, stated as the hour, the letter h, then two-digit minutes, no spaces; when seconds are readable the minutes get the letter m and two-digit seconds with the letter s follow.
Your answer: 12h23m12s
